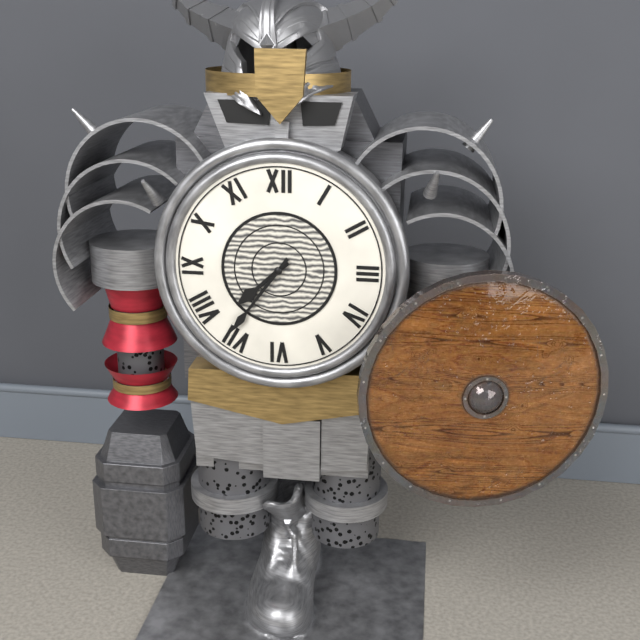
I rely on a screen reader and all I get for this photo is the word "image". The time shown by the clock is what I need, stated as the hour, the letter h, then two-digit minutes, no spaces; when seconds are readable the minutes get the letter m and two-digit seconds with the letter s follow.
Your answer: 7h36
